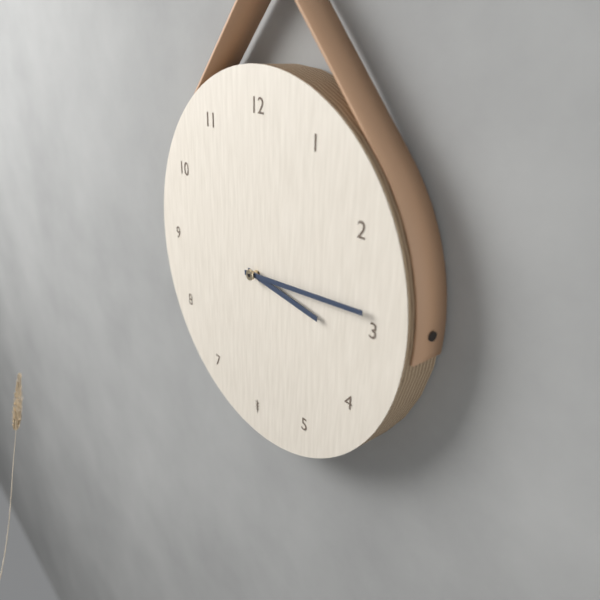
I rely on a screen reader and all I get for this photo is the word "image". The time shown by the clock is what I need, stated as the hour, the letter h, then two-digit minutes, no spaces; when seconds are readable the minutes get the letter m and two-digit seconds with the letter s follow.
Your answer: 3h14
